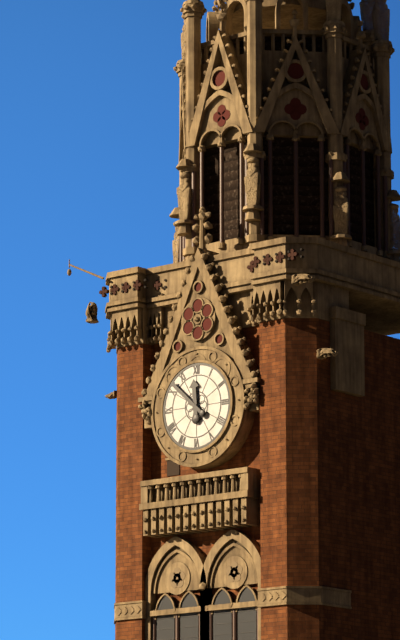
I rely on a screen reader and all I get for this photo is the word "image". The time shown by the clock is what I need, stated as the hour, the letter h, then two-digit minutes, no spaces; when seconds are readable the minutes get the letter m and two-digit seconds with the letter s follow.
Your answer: 11h52
